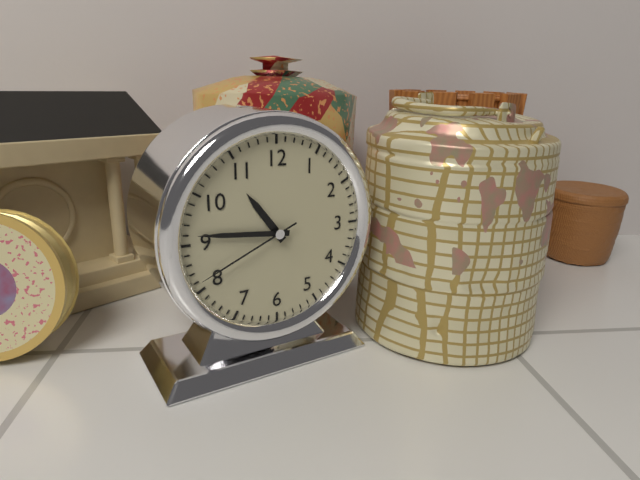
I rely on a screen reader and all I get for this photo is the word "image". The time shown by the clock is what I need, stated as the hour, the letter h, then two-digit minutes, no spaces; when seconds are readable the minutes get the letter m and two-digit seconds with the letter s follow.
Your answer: 10h46m41s
